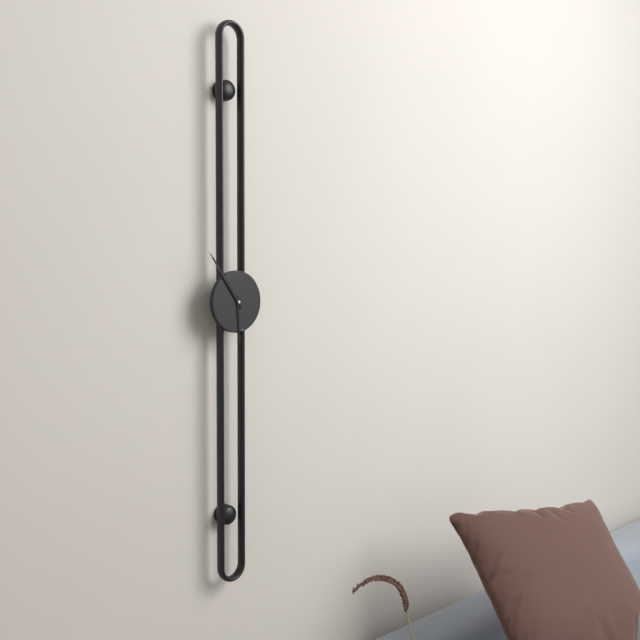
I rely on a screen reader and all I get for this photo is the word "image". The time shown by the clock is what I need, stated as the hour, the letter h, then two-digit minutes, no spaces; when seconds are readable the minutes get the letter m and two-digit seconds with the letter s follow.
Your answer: 5h54
